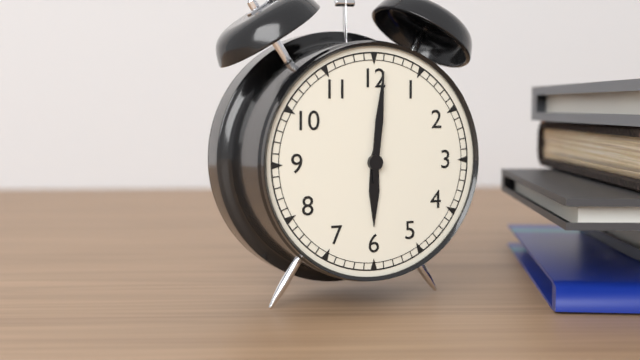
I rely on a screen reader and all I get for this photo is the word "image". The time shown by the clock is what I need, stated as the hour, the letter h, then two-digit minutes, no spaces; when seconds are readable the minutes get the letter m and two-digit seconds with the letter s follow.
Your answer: 6h01
